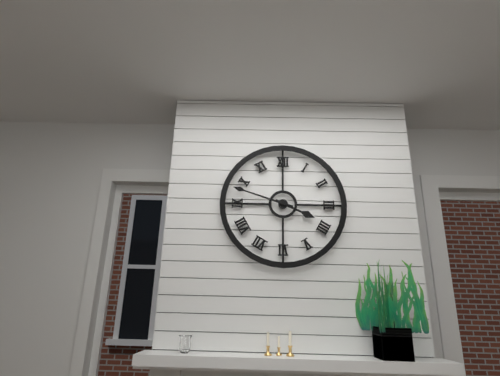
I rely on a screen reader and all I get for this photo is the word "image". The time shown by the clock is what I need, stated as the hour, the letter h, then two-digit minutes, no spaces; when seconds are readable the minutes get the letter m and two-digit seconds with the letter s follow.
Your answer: 3h48
